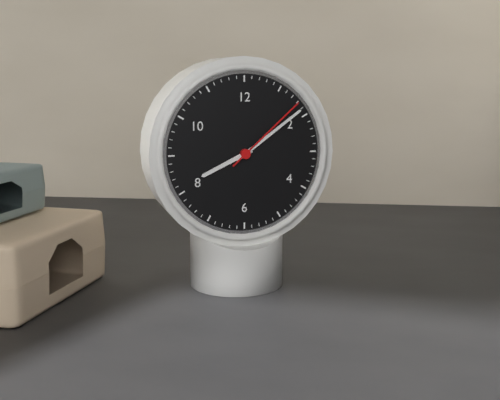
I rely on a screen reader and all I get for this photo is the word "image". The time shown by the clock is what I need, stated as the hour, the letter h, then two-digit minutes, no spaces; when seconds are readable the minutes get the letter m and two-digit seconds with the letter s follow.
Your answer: 8h09m08s
